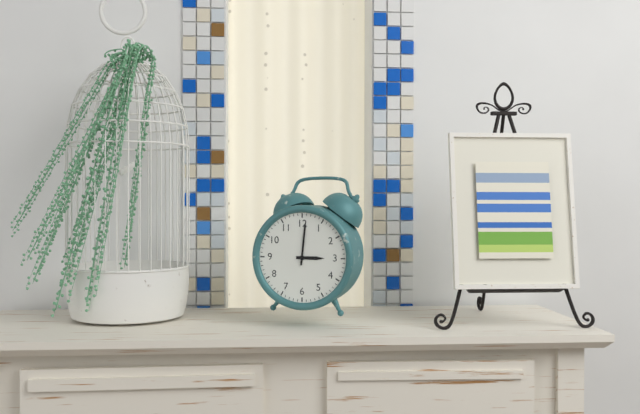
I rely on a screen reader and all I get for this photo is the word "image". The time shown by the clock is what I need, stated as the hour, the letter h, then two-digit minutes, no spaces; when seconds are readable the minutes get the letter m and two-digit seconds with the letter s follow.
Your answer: 3h01
